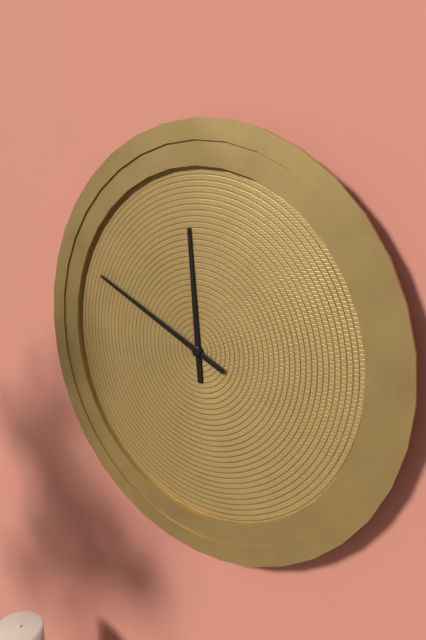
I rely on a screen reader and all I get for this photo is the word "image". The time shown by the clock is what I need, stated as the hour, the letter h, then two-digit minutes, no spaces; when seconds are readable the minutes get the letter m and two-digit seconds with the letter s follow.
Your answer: 11h49
